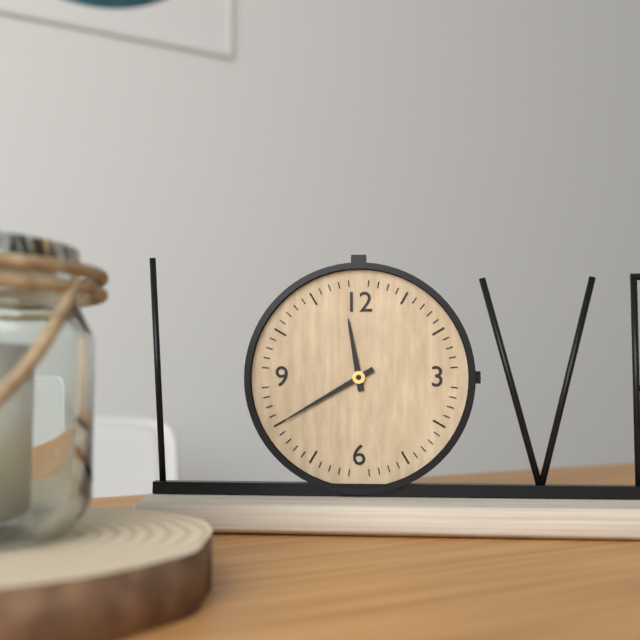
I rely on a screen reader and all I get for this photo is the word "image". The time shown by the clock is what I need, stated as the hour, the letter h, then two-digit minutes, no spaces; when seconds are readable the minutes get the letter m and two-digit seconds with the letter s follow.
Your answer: 11h40
